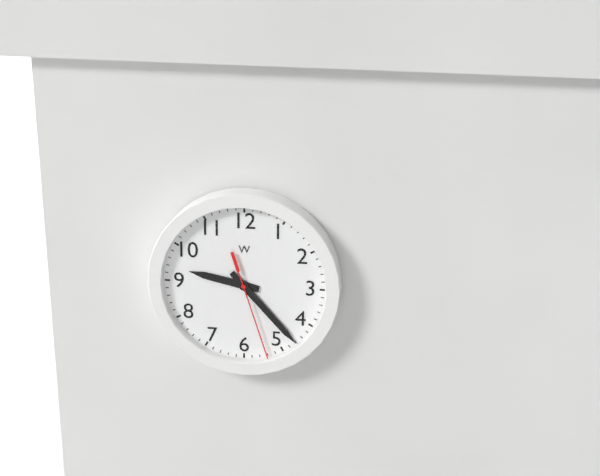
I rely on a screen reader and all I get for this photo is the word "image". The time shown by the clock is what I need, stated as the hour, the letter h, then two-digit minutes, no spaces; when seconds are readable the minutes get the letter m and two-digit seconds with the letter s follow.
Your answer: 9h23m27s
